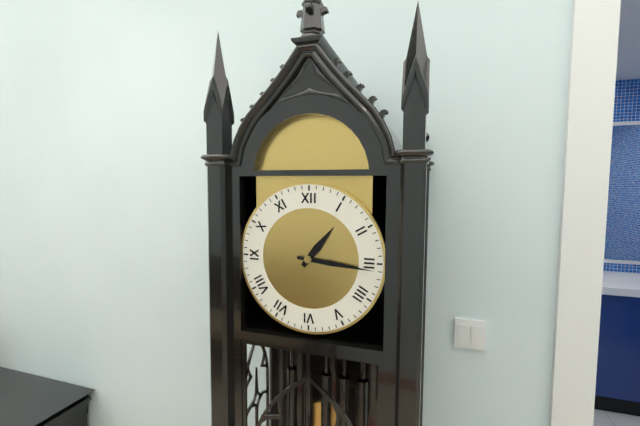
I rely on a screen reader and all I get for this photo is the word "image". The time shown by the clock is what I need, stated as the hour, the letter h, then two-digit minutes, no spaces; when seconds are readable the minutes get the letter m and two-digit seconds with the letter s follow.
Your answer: 1h16
